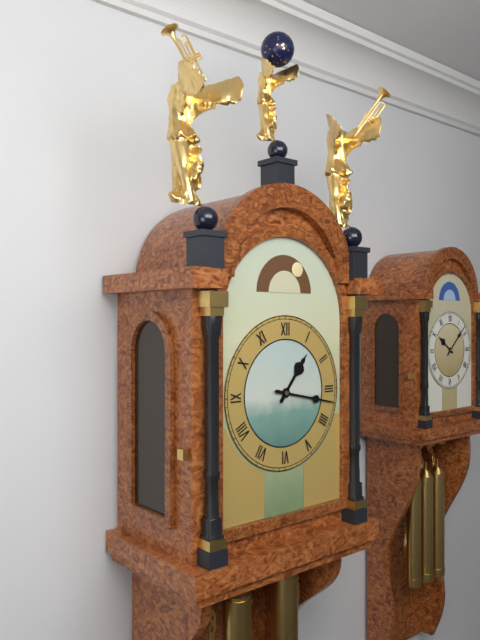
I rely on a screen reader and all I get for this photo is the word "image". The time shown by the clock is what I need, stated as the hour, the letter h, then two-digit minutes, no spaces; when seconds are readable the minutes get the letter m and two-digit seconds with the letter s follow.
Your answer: 1h17
